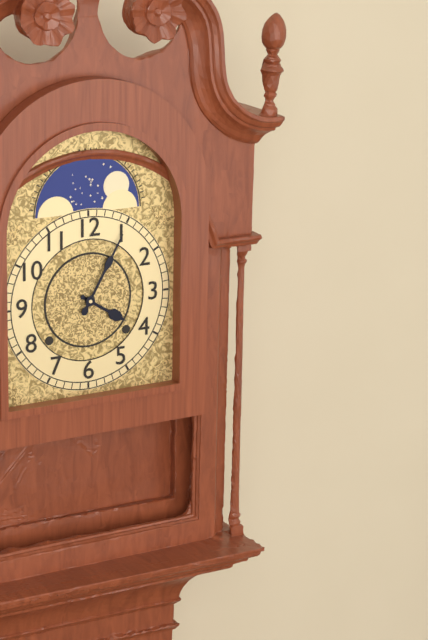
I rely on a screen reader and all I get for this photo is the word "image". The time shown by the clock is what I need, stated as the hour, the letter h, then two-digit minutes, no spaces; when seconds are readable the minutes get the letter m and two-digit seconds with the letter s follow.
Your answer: 4h05
